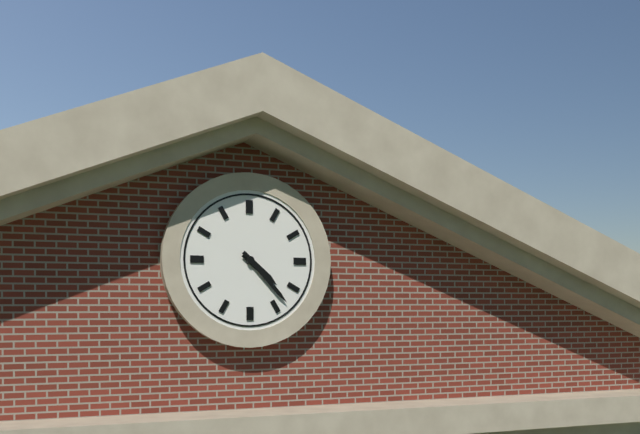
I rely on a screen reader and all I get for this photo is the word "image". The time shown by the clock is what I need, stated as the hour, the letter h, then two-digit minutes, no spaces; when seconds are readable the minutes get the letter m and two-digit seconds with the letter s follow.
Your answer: 4h23
